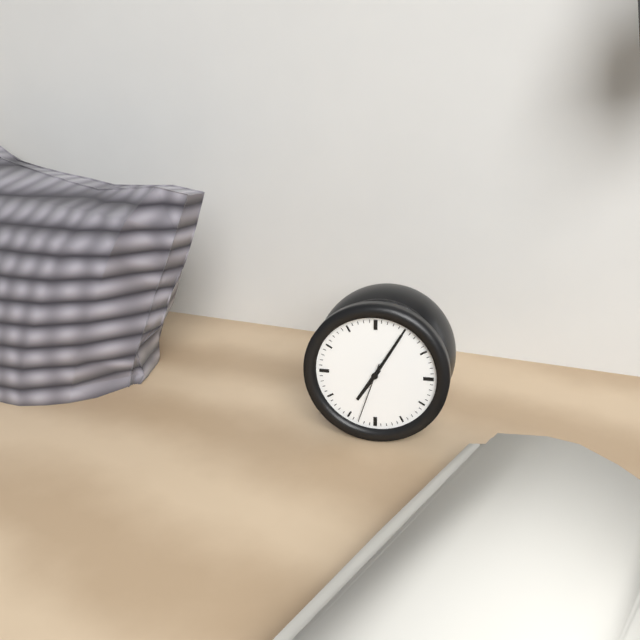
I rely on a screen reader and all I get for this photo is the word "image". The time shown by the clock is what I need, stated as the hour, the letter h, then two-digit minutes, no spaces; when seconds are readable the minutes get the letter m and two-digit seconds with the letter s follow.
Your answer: 7h05m33s
